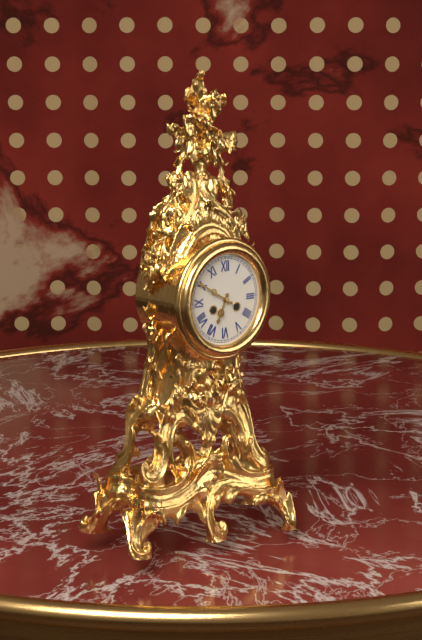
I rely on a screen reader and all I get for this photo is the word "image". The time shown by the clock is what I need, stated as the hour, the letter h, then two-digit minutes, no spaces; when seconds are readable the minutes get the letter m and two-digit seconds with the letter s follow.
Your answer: 6h50
